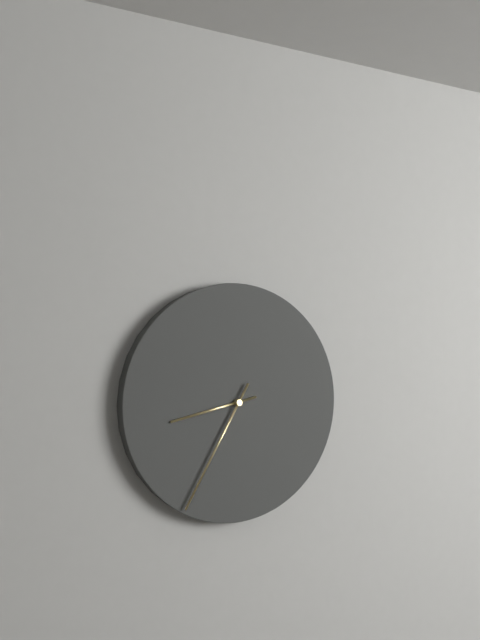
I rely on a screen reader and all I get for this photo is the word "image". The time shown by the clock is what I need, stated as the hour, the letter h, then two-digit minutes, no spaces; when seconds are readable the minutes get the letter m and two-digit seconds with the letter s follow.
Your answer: 8h35
